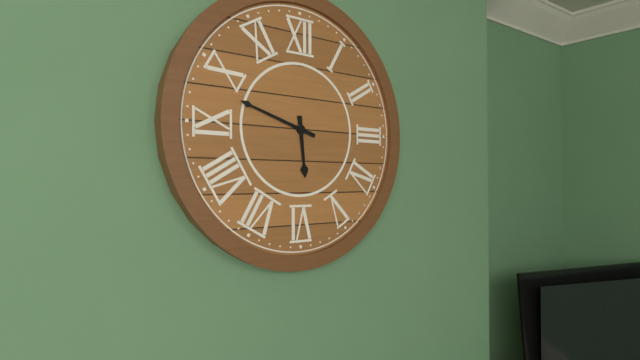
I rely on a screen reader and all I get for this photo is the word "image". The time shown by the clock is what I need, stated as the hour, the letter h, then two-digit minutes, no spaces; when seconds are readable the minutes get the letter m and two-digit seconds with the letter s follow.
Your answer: 5h48
